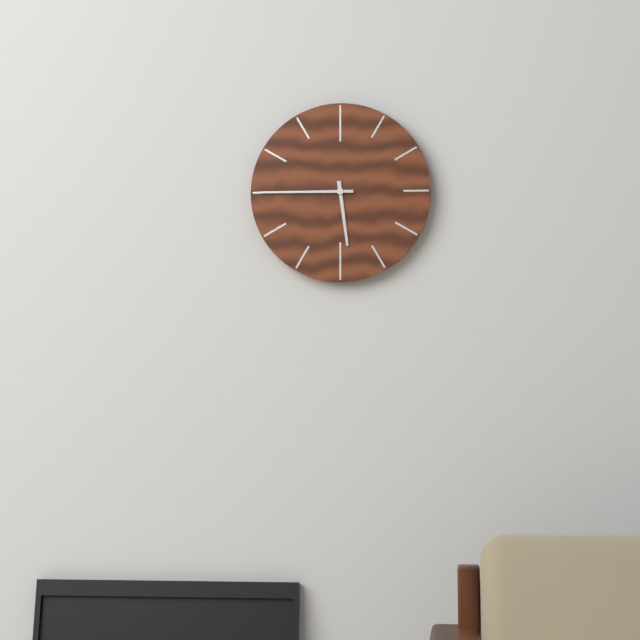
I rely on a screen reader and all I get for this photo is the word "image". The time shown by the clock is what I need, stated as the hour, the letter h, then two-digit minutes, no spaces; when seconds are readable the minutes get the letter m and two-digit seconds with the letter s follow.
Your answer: 5h45
